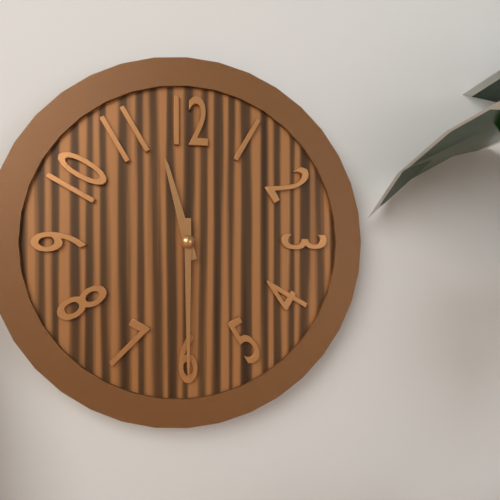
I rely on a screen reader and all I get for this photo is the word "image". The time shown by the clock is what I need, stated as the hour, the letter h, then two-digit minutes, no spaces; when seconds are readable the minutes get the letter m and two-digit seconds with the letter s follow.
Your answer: 11h30
